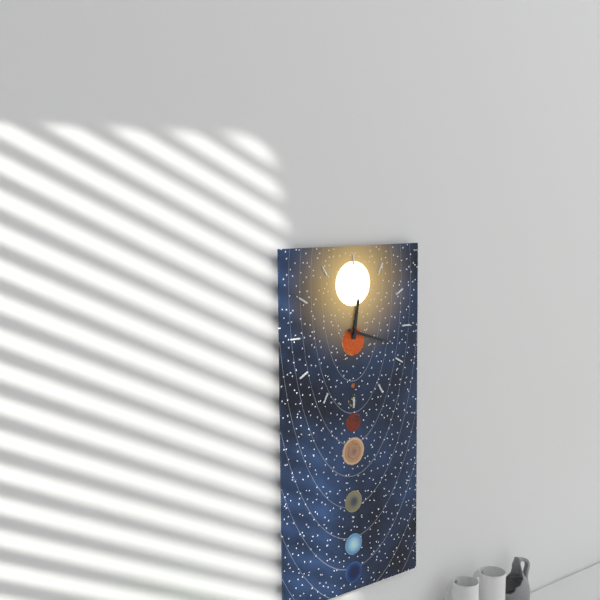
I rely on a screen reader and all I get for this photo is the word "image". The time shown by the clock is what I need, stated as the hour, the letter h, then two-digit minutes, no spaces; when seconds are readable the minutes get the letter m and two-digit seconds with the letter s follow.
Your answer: 12h18
